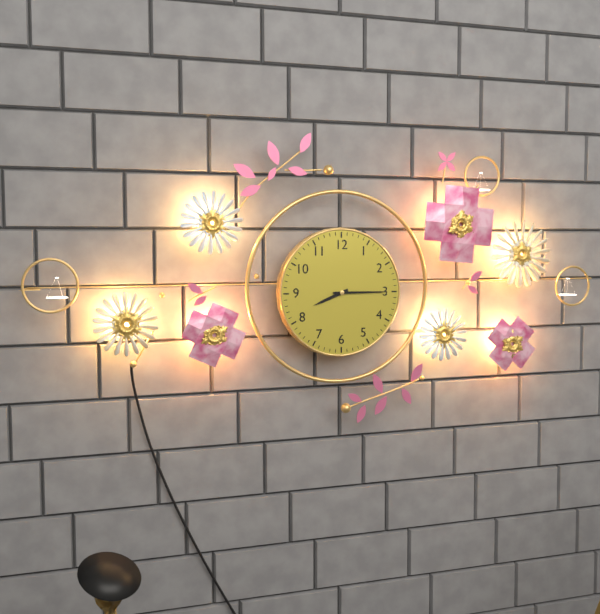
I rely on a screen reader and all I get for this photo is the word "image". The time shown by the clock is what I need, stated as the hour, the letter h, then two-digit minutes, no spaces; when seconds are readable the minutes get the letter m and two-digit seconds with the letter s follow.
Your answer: 8h15
